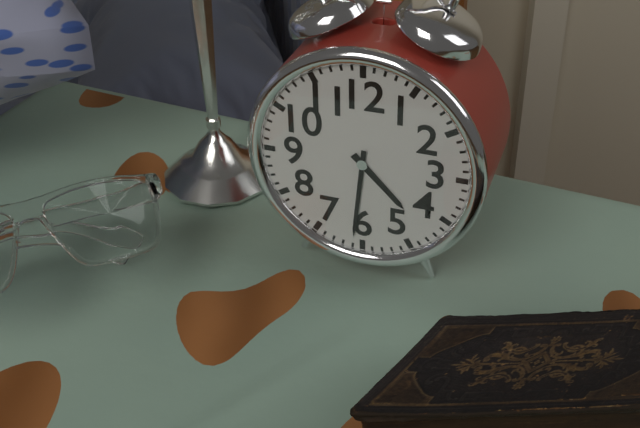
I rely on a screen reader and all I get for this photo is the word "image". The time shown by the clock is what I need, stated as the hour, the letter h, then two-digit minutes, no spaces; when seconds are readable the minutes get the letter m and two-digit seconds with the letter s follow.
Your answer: 4h31
